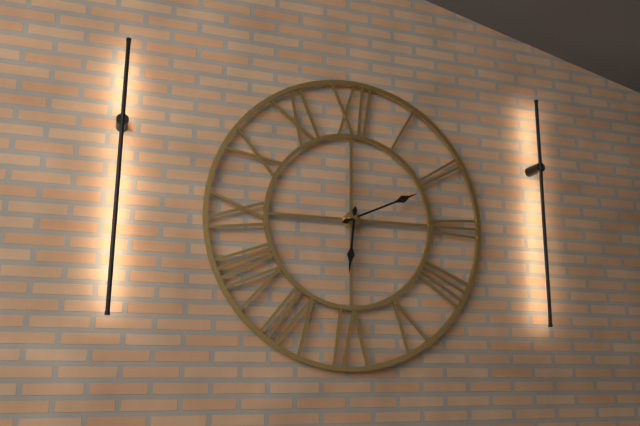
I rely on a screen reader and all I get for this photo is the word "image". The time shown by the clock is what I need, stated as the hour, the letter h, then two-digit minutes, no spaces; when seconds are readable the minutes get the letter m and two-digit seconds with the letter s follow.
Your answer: 6h11
